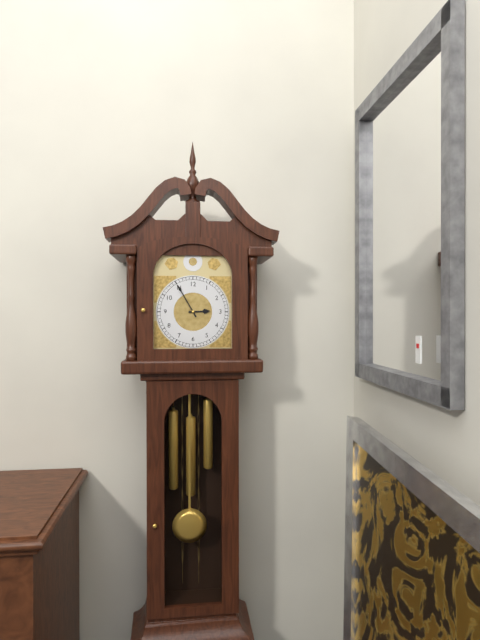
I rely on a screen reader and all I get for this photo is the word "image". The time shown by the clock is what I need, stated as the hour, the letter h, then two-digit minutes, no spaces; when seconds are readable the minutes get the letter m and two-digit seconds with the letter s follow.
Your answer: 2h55
